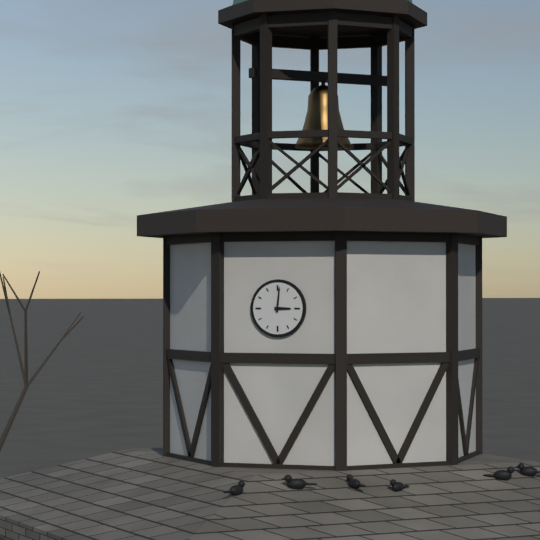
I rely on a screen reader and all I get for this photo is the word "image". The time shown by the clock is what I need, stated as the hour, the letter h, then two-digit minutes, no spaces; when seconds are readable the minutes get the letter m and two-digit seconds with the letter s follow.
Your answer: 3h01
